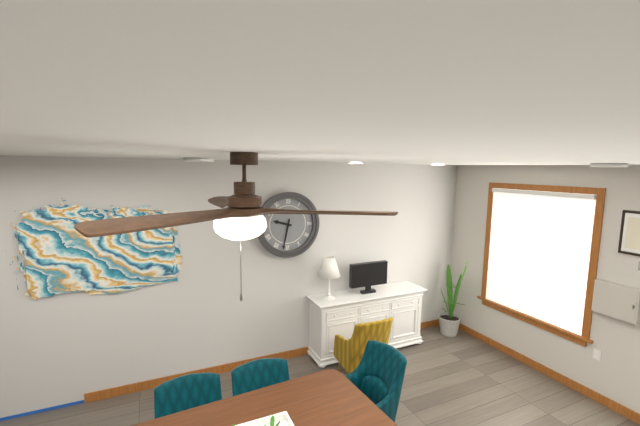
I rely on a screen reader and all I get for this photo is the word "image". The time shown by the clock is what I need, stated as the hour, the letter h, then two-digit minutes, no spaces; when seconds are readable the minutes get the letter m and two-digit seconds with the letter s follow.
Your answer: 9h32
